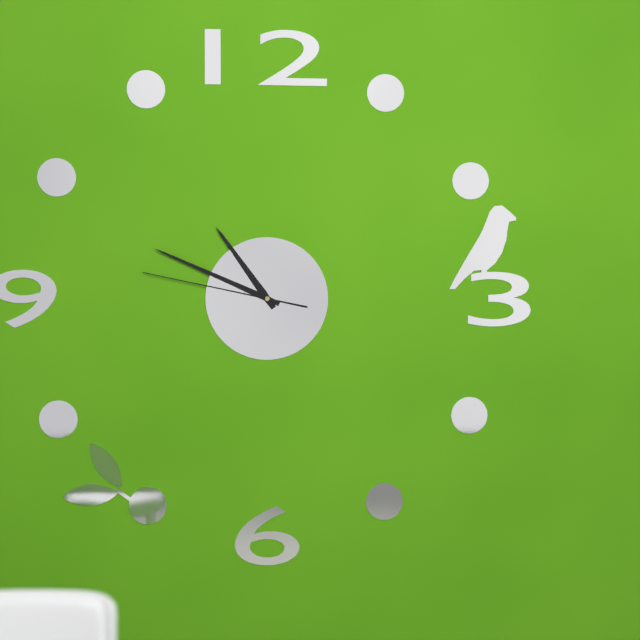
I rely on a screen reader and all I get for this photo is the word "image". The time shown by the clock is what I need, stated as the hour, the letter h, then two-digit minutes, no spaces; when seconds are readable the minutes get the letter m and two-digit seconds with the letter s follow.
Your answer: 10h49m47s
